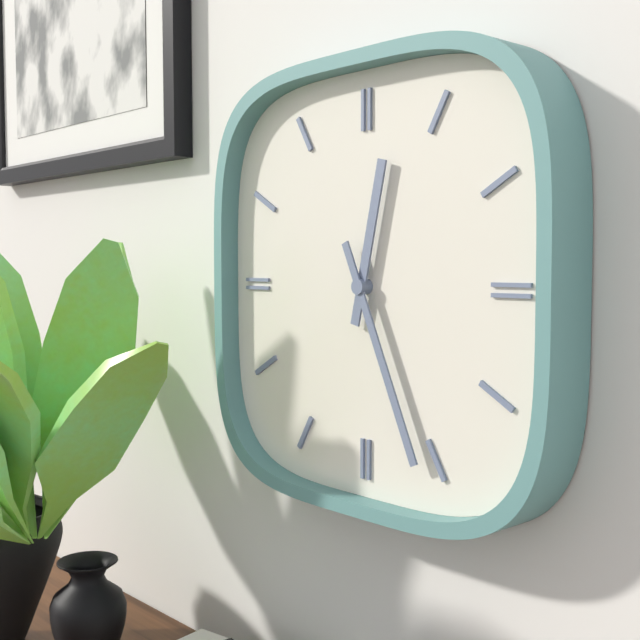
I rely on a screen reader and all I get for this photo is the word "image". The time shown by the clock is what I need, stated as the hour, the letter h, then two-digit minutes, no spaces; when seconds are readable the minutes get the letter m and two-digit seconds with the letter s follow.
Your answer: 12h26
